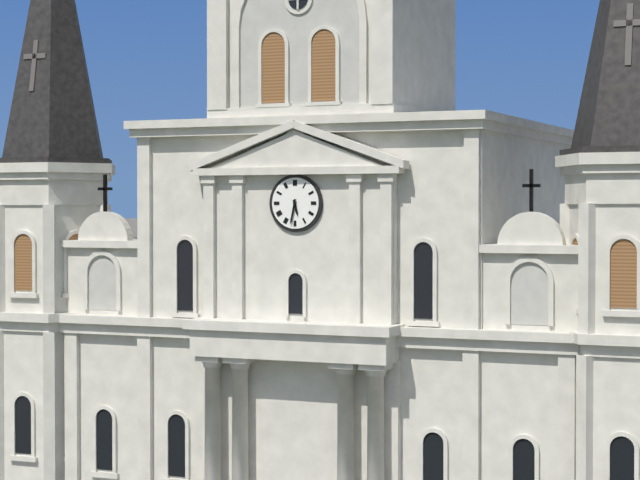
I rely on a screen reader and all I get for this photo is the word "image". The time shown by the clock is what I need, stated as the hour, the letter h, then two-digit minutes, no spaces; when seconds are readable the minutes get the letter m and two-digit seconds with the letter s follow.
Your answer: 5h32
